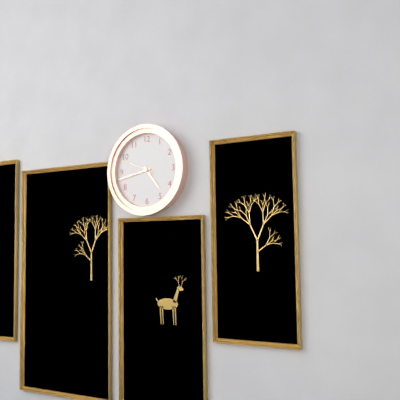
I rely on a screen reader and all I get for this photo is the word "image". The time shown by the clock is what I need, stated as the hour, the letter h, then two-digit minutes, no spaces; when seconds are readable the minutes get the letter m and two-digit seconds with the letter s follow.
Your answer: 4h43
